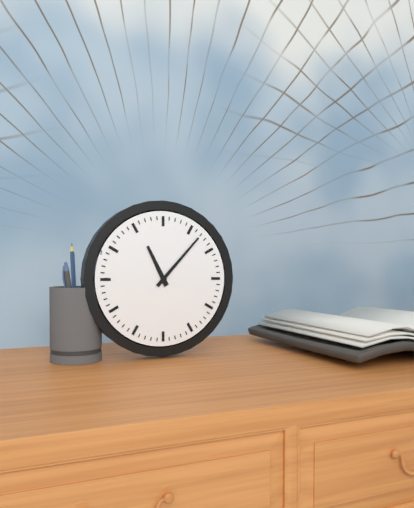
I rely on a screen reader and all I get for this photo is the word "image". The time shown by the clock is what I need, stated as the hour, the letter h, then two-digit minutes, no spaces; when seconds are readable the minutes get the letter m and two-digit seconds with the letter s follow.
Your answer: 11h07
